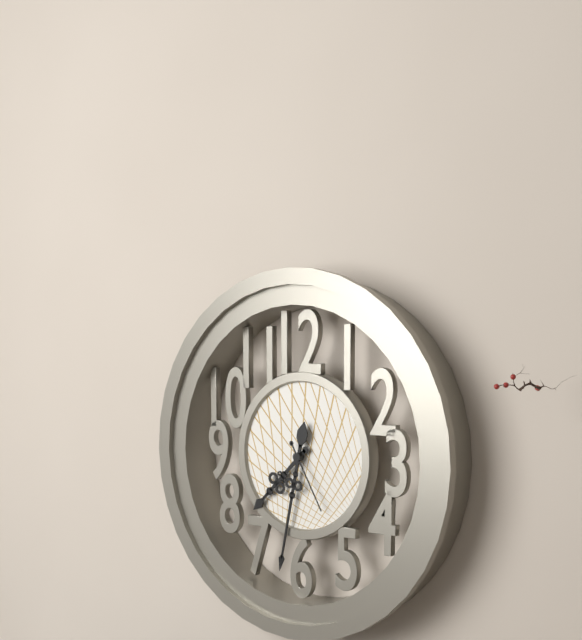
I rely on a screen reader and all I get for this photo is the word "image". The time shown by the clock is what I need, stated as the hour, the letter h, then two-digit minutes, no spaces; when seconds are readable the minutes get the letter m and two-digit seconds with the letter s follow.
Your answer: 7h32m25s
